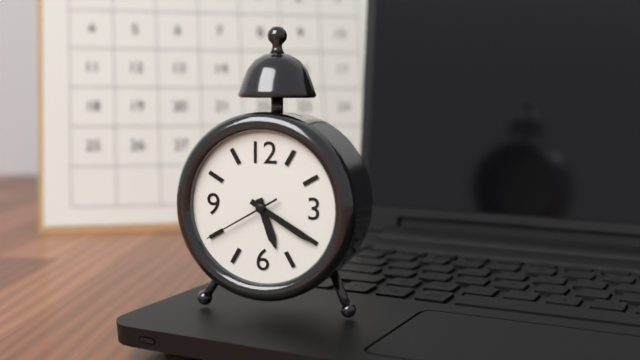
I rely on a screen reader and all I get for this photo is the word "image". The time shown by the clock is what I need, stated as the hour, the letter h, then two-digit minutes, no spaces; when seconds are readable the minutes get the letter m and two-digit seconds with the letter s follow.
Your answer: 5h20m40s
